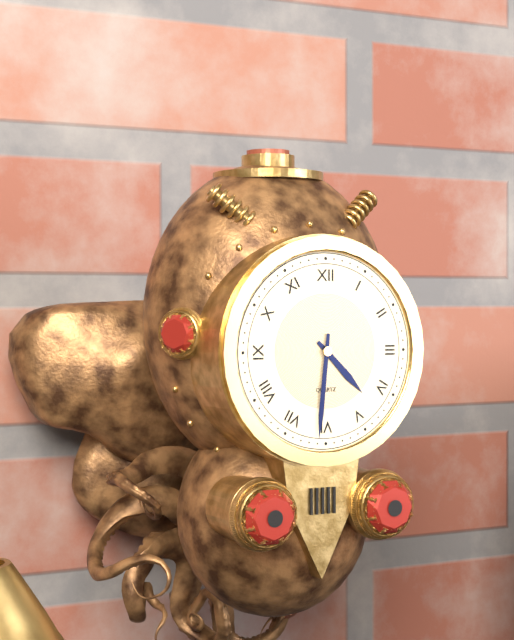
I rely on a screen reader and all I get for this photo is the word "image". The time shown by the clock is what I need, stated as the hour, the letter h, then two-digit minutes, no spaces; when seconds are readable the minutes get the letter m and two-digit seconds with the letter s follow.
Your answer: 4h31
